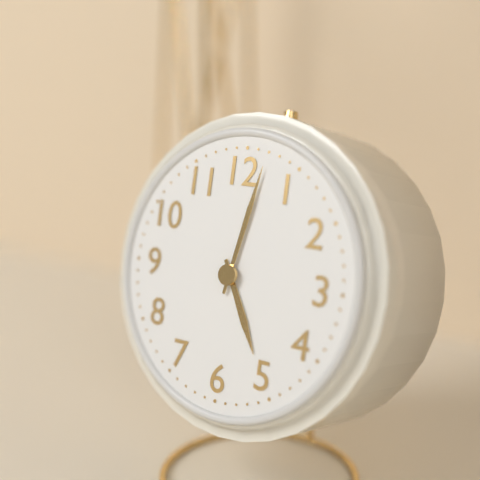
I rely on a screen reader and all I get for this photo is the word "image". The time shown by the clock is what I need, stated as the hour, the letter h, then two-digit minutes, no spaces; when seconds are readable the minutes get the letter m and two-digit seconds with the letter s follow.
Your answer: 5h02
